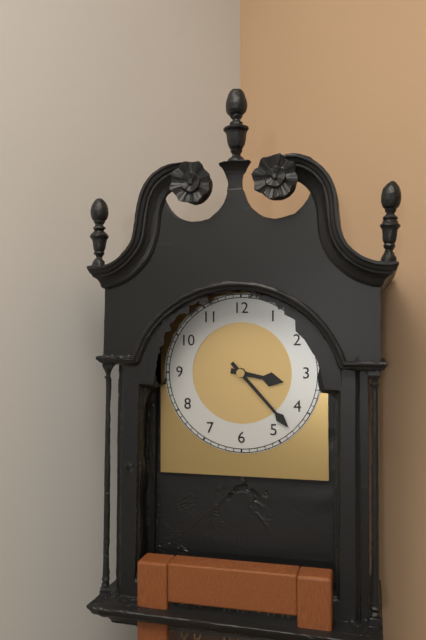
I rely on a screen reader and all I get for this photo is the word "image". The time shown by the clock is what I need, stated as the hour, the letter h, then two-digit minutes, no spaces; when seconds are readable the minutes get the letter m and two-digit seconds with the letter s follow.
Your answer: 3h23
